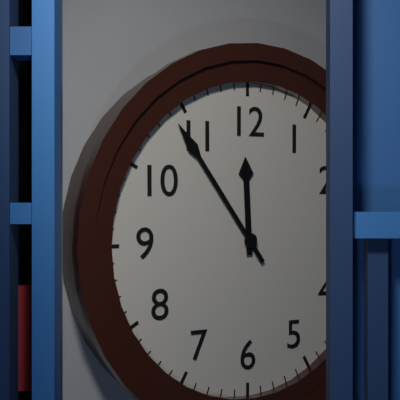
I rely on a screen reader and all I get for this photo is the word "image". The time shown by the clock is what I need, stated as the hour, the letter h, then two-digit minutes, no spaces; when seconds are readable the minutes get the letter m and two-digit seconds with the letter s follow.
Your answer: 11h54
